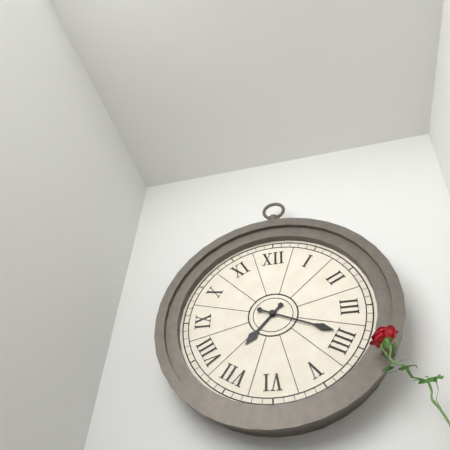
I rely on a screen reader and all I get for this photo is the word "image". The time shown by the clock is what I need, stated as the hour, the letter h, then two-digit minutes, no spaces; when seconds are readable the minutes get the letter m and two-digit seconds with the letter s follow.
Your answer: 7h19
